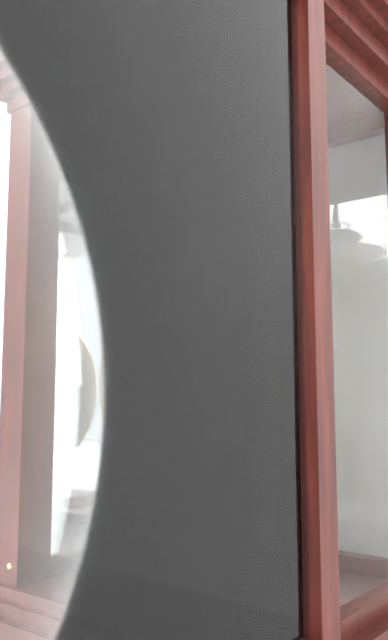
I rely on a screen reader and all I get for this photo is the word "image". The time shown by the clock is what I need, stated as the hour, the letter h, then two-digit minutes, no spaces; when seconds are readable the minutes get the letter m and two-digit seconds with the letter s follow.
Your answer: 12h11
